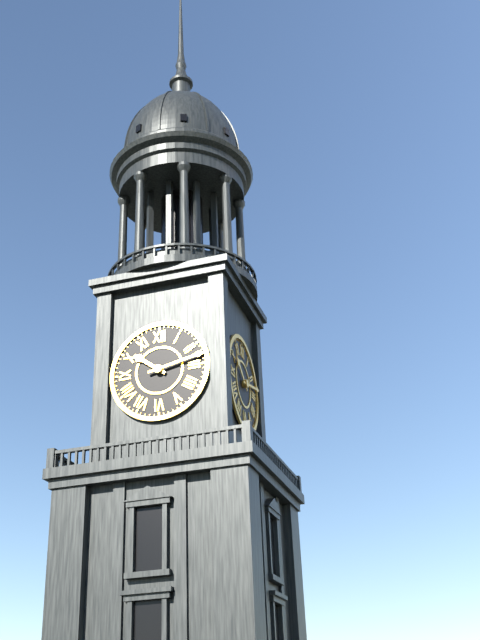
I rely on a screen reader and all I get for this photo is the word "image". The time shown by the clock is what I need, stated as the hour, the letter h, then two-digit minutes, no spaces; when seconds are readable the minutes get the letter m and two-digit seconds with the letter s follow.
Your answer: 10h13
